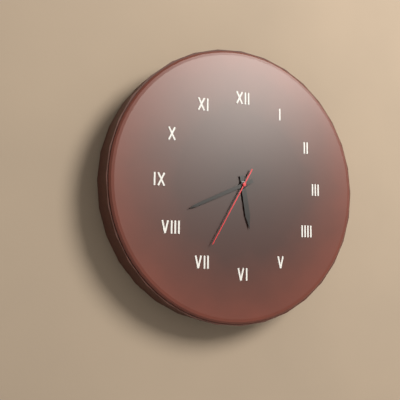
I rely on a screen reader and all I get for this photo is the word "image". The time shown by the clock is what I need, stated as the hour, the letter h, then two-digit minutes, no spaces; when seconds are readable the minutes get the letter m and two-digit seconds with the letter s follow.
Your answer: 5h41m35s
